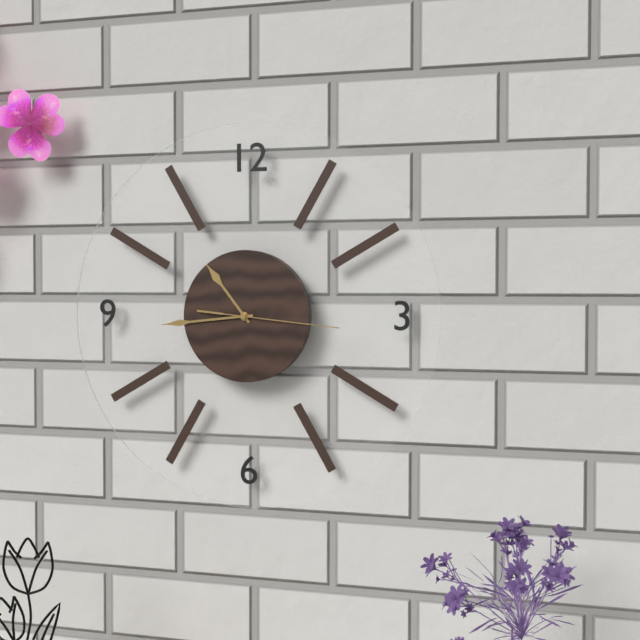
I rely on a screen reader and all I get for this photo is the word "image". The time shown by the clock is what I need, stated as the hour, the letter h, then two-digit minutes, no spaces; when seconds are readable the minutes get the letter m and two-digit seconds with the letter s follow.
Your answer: 10h44m16s
